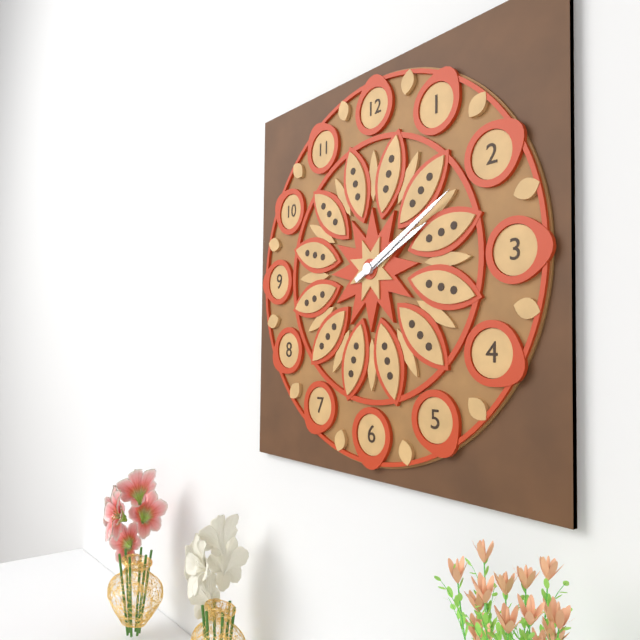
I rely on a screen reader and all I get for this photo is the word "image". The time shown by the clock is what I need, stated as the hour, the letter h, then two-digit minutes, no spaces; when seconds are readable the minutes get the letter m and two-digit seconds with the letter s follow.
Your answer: 2h10
